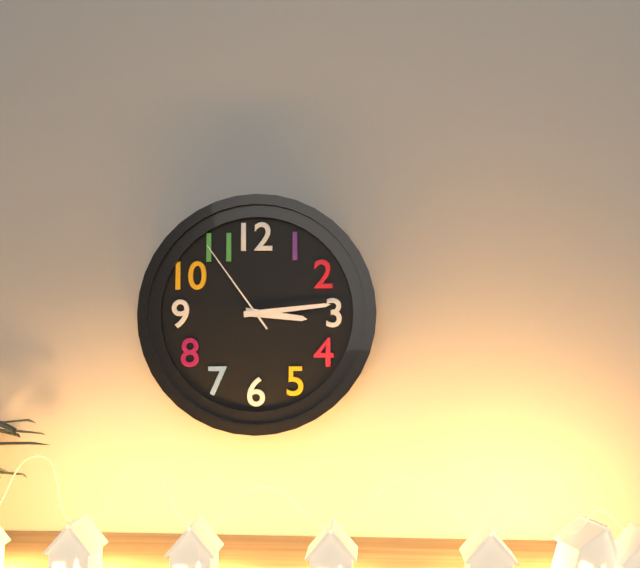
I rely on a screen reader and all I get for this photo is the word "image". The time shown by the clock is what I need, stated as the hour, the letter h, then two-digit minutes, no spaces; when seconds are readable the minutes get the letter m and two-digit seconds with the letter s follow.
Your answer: 3h14m54s
